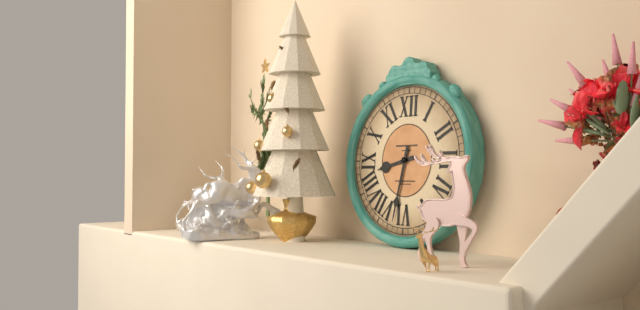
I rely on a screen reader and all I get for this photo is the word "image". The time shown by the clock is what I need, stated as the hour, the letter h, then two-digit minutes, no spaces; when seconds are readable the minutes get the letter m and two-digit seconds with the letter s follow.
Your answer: 8h32
